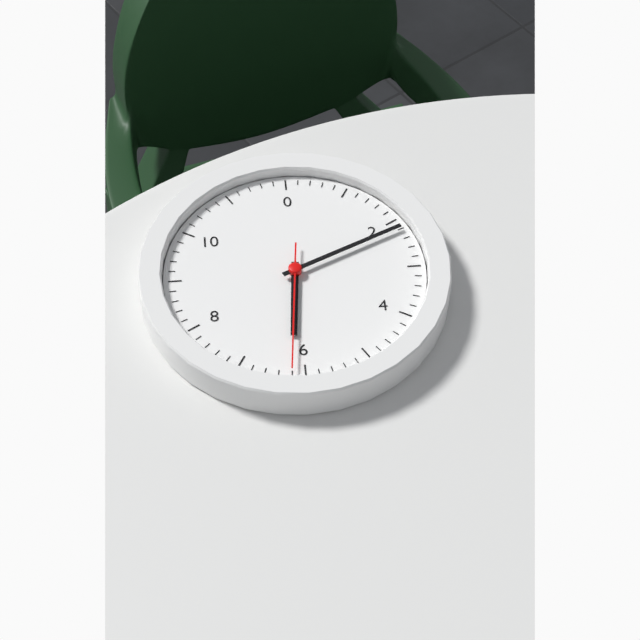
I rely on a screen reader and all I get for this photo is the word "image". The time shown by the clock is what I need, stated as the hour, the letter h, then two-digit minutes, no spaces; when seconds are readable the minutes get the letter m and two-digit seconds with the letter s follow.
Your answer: 6h11m31s
